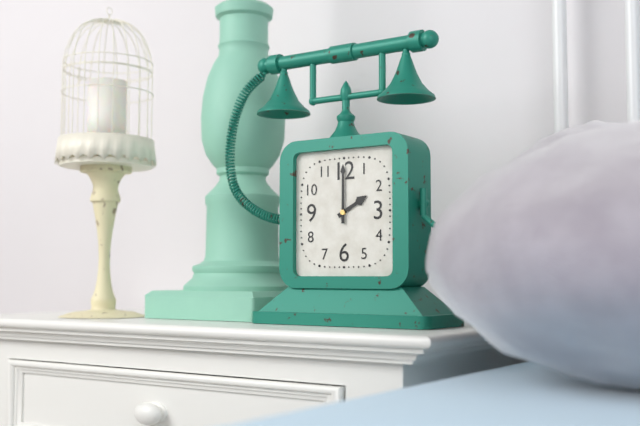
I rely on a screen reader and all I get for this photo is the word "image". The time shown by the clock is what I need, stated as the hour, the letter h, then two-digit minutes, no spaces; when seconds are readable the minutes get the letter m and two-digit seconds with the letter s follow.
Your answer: 2h00
